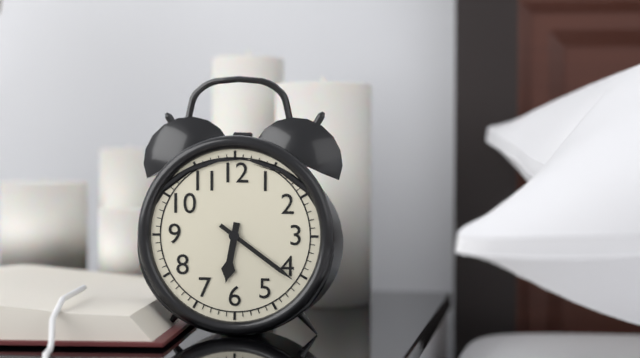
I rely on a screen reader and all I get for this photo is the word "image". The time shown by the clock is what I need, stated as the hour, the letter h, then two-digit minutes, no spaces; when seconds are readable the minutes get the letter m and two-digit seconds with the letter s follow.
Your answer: 6h21
